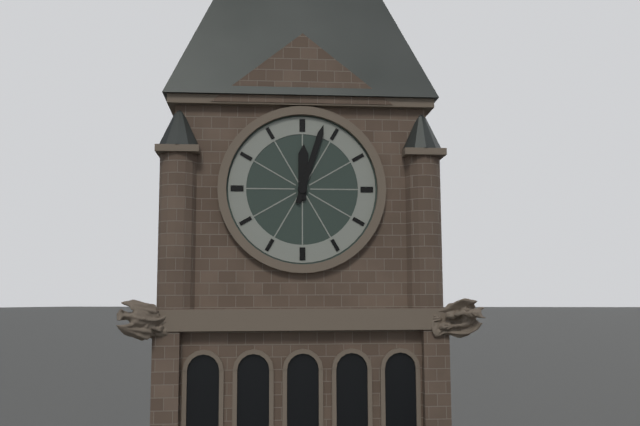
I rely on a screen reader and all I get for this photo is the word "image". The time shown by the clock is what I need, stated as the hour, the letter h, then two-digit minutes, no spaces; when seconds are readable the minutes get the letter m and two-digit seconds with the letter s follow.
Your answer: 12h03
